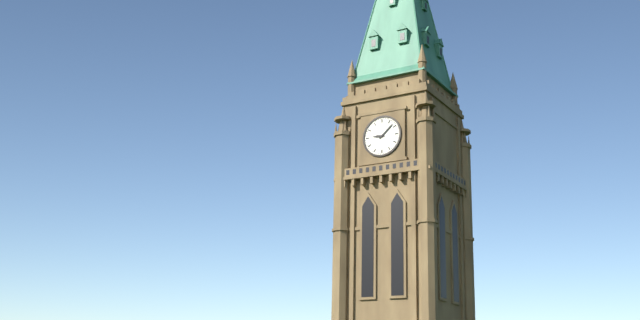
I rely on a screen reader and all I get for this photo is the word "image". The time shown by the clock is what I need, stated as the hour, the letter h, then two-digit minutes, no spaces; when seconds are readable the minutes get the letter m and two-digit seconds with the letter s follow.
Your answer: 9h08
